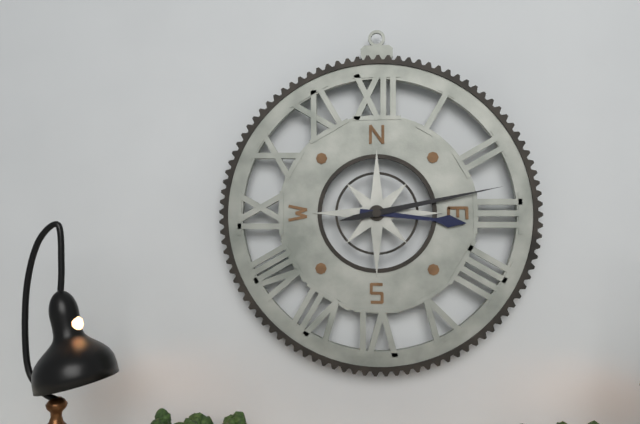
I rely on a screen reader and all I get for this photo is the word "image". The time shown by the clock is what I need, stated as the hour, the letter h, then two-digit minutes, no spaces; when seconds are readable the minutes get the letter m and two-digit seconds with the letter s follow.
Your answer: 3h13
